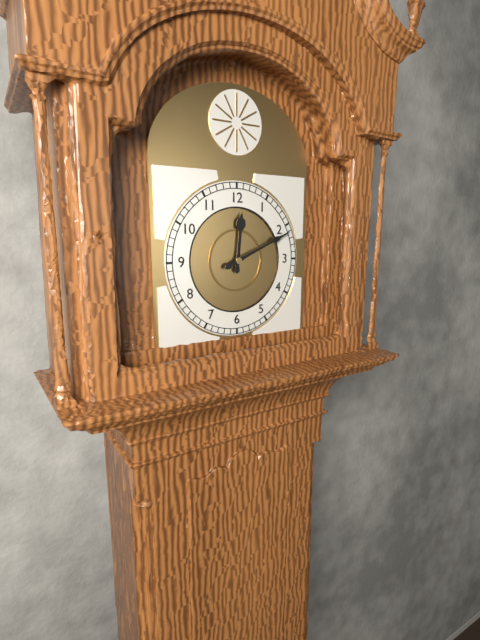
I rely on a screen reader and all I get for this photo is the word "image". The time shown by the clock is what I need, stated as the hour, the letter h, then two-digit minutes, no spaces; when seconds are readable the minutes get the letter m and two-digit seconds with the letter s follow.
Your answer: 12h11
